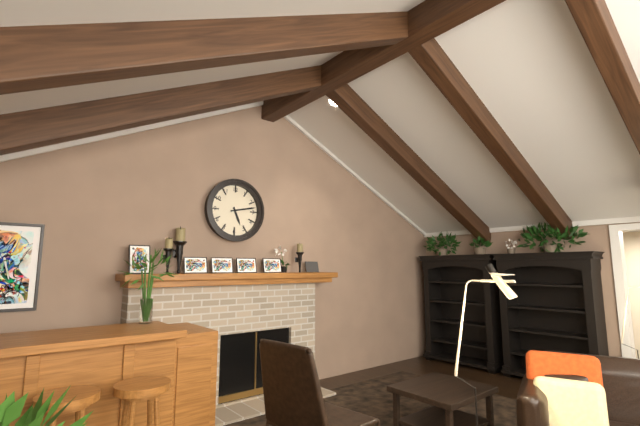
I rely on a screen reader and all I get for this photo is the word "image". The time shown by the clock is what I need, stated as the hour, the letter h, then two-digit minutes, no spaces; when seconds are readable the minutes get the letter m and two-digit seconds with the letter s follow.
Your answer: 5h13
